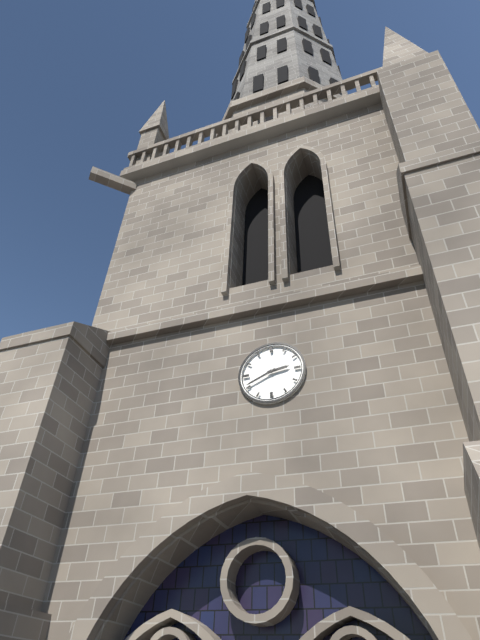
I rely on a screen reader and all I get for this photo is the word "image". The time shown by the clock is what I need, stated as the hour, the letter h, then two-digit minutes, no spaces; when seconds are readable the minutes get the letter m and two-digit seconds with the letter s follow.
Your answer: 2h41
